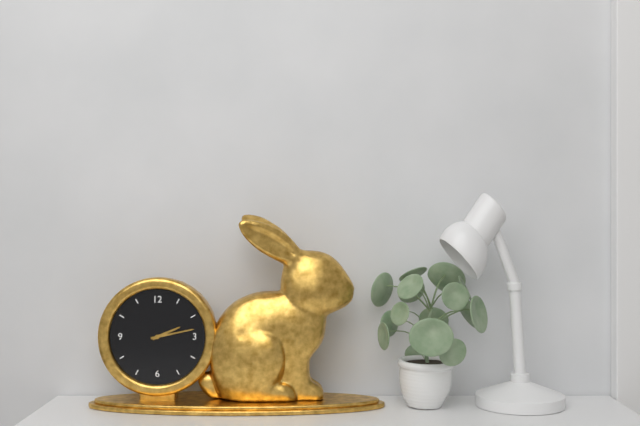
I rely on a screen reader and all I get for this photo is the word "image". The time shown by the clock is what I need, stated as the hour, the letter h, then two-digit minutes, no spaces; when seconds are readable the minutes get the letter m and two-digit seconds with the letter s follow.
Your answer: 2h13
